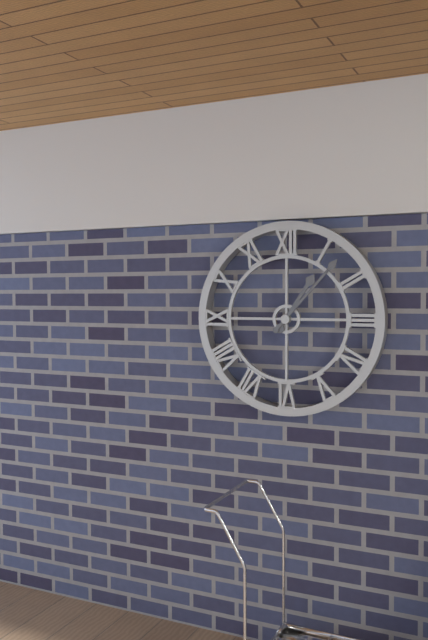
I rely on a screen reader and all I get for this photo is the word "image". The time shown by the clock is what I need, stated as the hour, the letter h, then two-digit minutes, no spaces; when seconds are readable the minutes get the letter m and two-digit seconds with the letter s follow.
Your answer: 1h07
